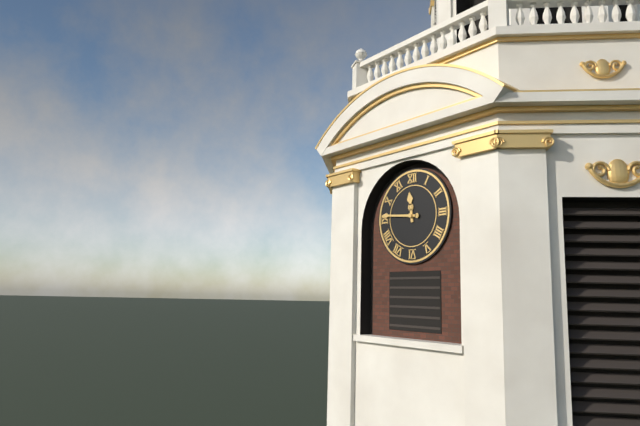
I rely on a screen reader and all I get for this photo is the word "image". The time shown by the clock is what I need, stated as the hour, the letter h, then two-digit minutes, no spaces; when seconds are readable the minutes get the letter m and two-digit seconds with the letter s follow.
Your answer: 11h46
